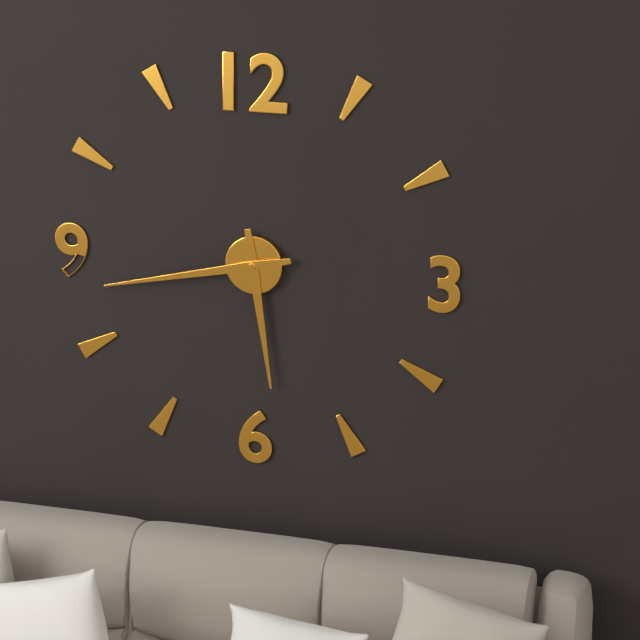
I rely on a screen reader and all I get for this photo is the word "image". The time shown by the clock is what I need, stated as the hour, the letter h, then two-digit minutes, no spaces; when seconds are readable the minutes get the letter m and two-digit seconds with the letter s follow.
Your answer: 5h43
